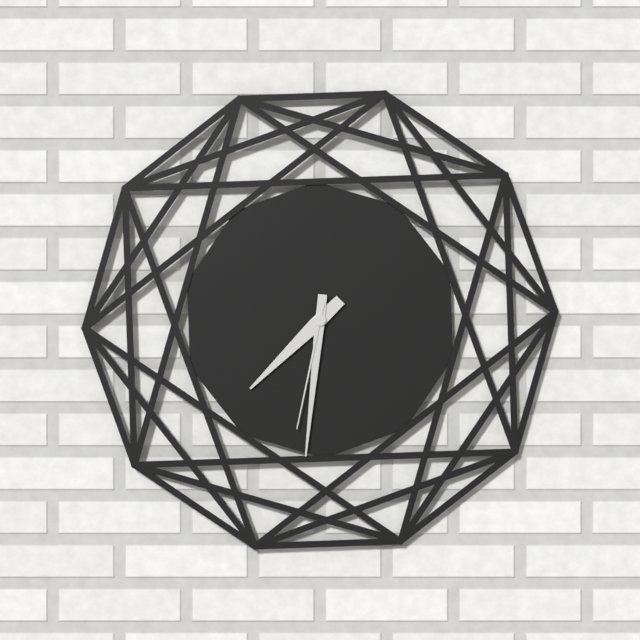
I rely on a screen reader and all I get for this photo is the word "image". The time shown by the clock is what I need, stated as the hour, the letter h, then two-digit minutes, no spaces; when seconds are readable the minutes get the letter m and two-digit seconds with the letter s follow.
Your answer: 7h31m32s
